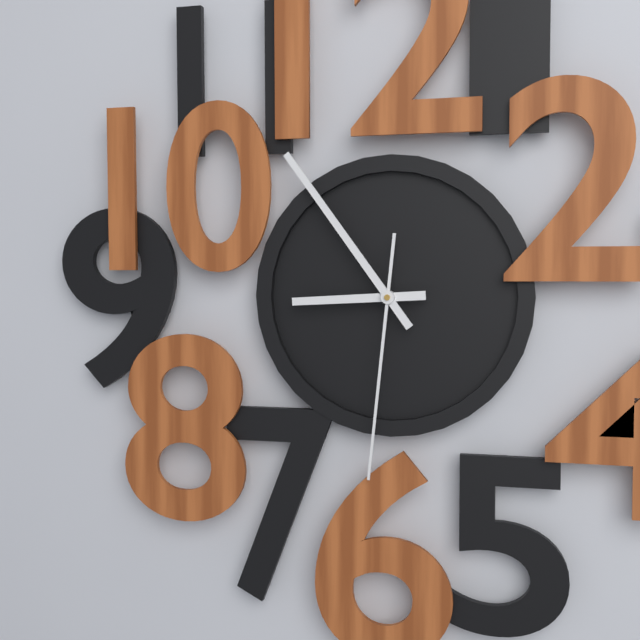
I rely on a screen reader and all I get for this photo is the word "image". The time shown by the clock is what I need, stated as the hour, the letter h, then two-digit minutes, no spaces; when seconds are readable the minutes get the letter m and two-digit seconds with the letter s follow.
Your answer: 8h54m31s
